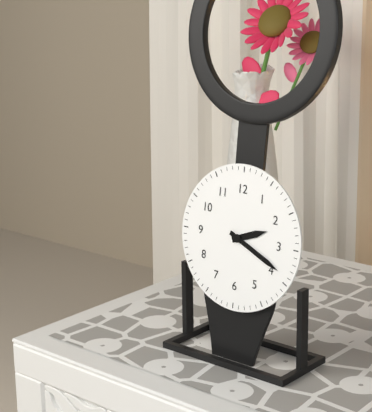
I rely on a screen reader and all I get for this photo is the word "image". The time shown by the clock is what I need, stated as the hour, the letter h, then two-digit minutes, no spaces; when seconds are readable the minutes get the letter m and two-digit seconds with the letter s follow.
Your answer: 2h19
